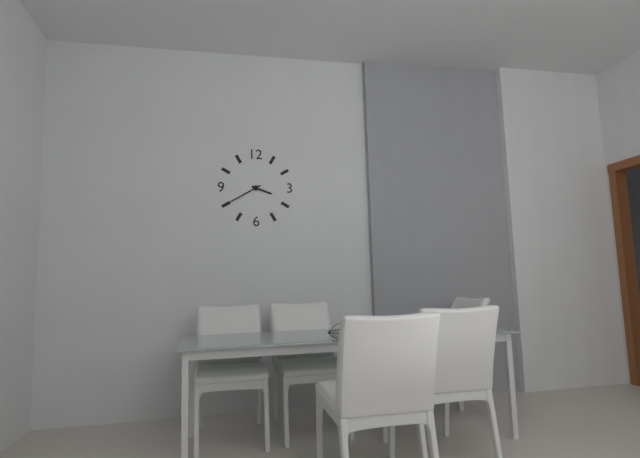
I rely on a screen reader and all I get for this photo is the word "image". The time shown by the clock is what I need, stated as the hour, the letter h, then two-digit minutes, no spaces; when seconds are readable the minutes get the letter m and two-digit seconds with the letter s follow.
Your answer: 3h40
